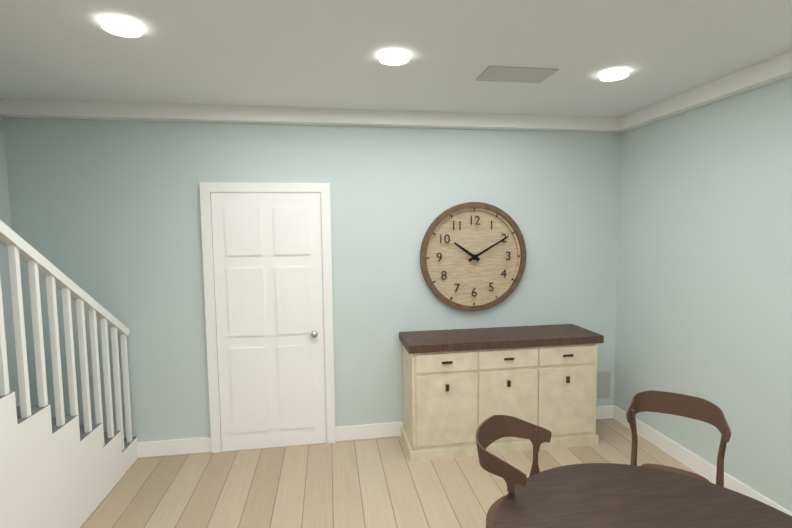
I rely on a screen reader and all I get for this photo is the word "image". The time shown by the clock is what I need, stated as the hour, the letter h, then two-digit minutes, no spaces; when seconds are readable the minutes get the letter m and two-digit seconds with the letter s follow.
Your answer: 10h10
